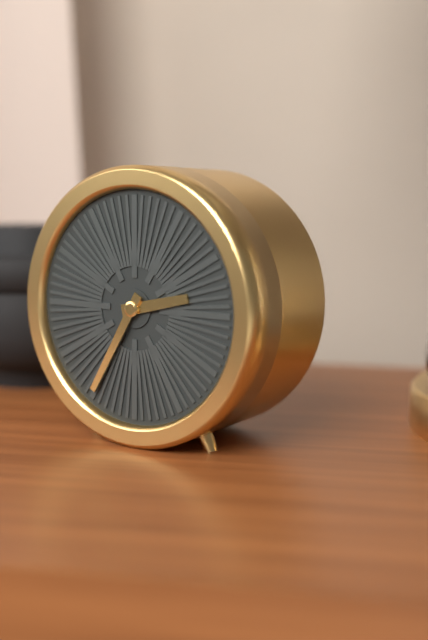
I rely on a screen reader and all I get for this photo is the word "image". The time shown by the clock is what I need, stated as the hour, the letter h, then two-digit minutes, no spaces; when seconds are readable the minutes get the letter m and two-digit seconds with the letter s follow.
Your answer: 2h35
